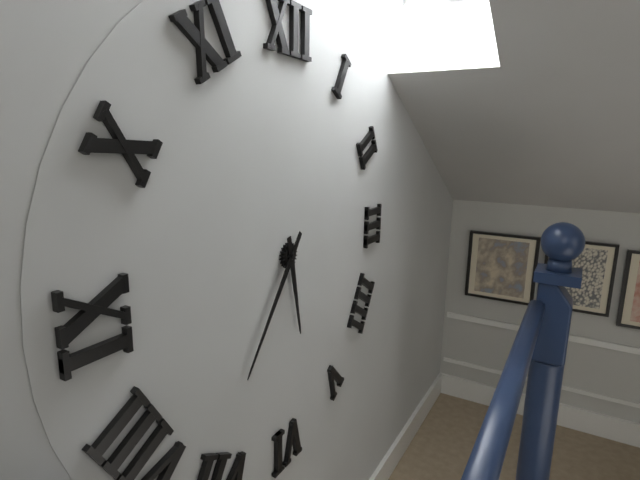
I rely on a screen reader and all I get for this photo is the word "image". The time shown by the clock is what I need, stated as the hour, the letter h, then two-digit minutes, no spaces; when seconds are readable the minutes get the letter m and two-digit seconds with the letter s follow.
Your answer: 5h36
